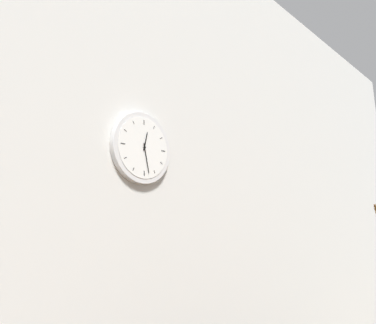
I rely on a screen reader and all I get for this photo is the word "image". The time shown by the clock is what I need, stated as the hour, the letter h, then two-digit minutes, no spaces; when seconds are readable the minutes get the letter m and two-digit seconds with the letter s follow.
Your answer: 12h28
